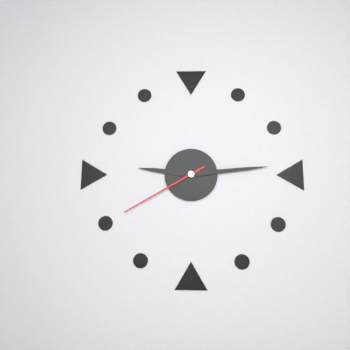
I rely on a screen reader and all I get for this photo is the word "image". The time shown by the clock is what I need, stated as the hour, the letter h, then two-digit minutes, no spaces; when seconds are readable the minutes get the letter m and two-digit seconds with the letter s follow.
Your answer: 9h14m40s
